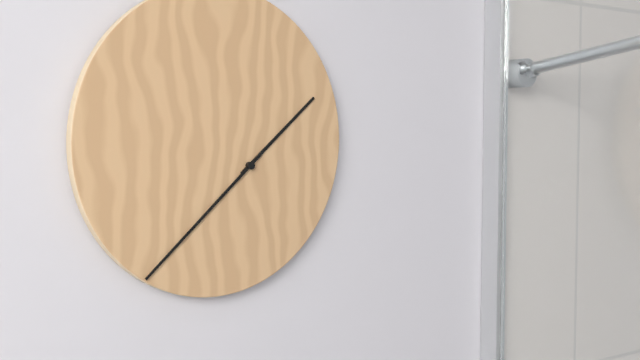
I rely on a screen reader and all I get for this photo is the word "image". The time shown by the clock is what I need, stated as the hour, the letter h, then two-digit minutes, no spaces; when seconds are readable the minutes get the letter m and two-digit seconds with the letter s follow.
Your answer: 1h38
